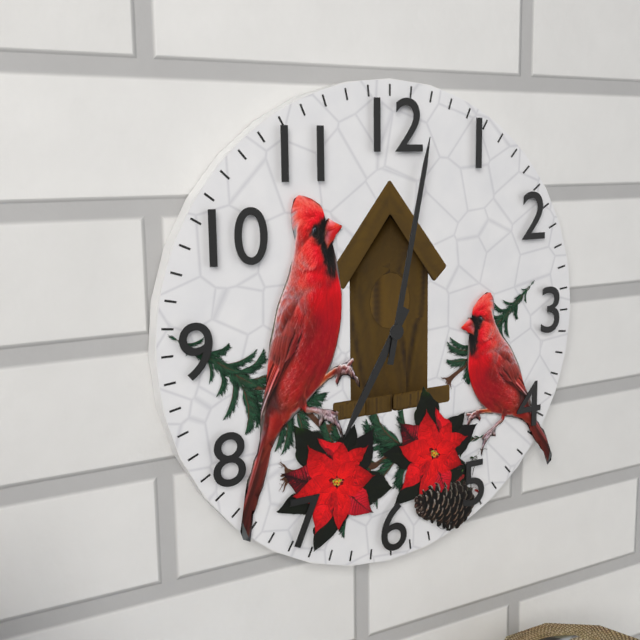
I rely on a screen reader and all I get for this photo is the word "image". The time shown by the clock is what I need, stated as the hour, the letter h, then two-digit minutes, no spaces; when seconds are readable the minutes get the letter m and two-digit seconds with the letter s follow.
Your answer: 7h02
